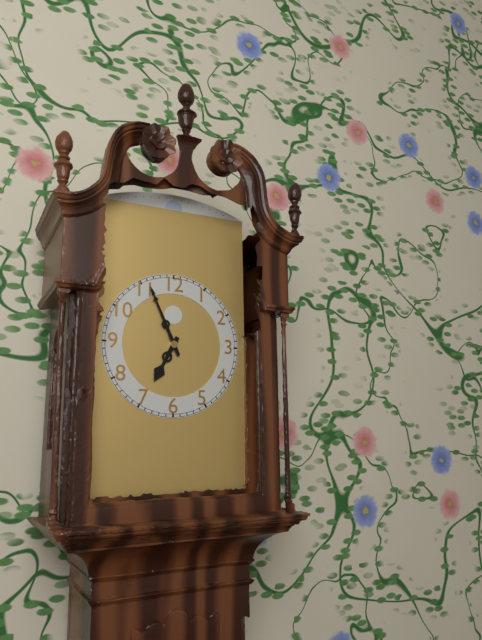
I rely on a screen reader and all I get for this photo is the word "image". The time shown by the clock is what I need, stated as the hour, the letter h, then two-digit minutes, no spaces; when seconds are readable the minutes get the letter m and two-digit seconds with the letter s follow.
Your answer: 6h56
